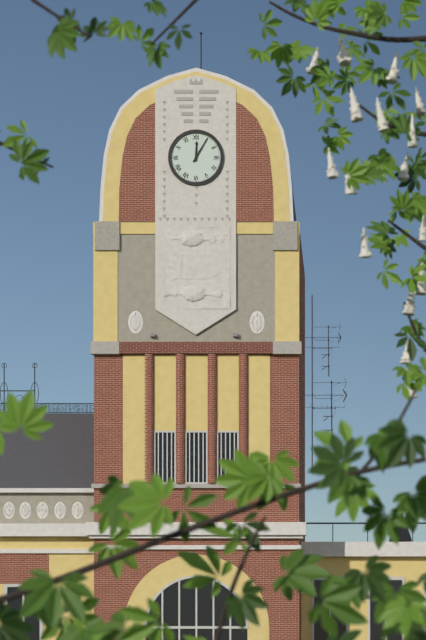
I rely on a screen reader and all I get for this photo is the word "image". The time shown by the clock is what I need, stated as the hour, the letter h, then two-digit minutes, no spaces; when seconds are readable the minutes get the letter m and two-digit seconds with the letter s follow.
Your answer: 12h05
